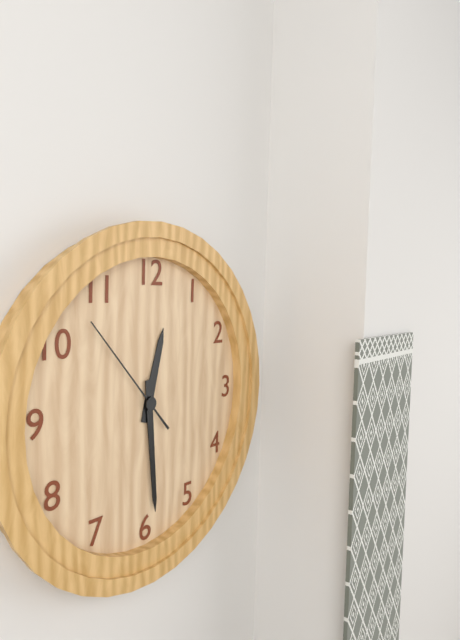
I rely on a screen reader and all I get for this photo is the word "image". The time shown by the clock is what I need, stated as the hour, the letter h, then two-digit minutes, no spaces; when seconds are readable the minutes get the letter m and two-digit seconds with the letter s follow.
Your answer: 12h29m53s
